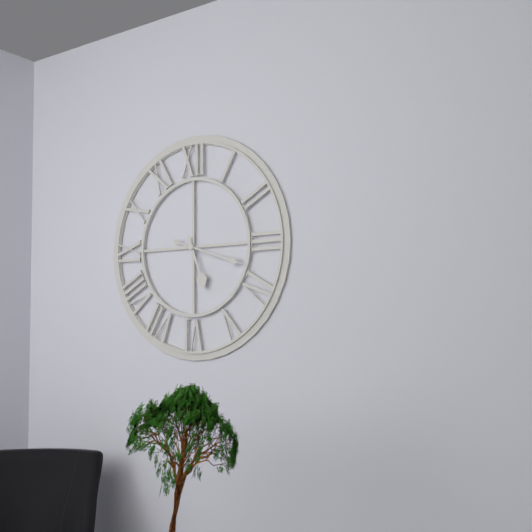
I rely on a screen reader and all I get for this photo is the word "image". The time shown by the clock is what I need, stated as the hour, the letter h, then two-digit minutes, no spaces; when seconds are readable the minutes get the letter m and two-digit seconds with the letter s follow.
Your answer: 5h18
